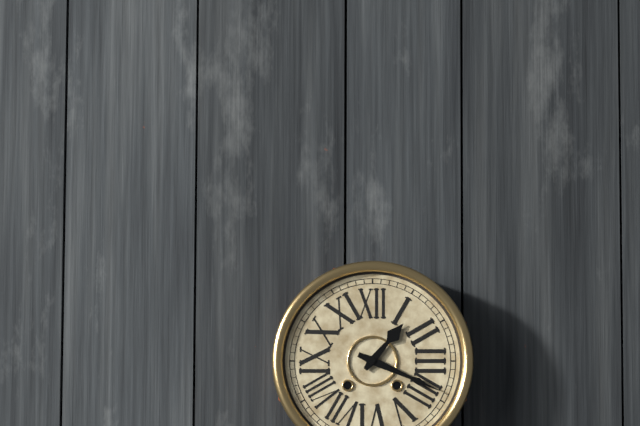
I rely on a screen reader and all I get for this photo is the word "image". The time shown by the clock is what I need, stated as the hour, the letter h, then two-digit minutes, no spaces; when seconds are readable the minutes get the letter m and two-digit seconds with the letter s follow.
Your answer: 1h19
